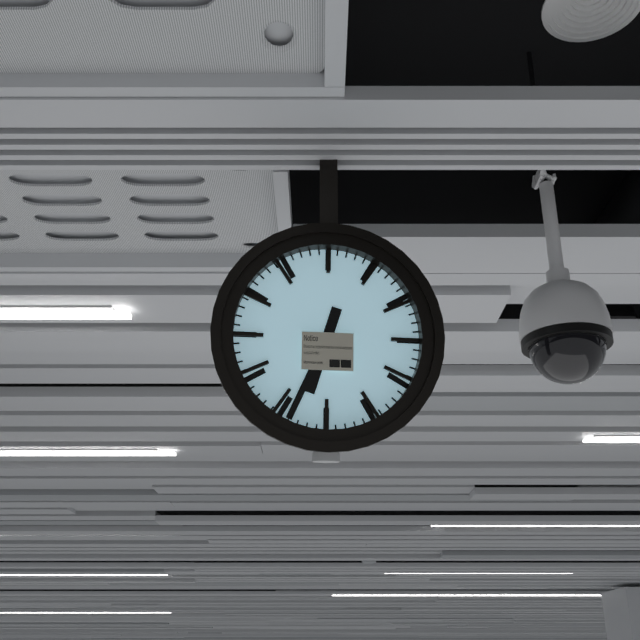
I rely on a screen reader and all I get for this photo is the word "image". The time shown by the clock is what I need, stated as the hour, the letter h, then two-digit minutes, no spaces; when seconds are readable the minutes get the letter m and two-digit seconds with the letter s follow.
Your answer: 6h34
